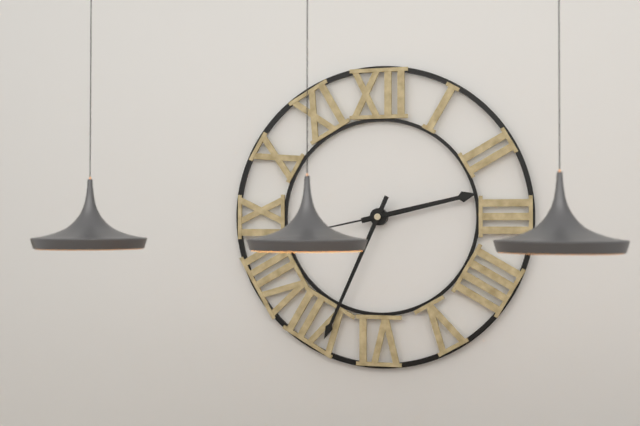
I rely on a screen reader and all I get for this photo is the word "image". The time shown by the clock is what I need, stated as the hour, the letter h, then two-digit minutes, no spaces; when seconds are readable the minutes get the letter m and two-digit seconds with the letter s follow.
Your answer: 2h34
